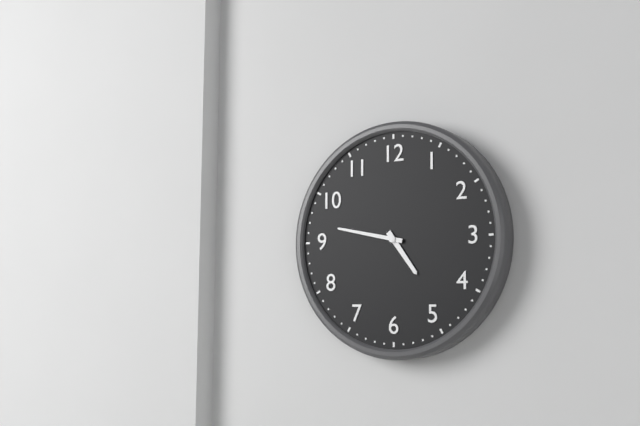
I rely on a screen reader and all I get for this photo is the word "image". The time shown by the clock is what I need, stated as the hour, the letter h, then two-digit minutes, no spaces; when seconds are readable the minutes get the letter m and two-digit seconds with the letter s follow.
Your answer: 4h47
